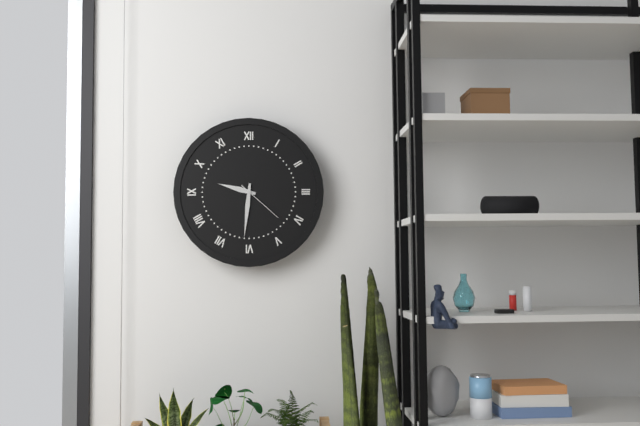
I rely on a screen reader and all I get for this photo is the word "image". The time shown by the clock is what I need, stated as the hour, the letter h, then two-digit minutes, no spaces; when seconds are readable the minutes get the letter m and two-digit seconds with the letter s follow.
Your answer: 9h31
